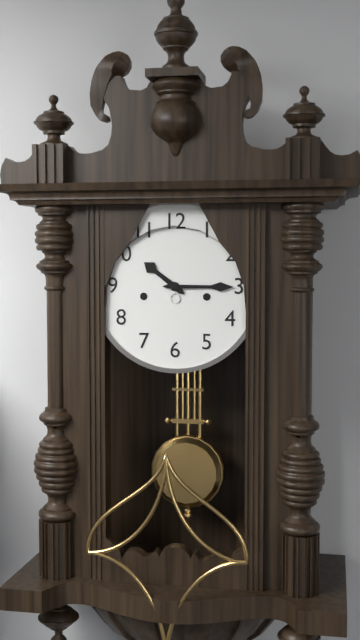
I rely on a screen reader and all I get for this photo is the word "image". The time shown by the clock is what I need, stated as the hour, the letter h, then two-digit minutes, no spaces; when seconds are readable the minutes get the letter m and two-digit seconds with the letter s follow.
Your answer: 10h15
